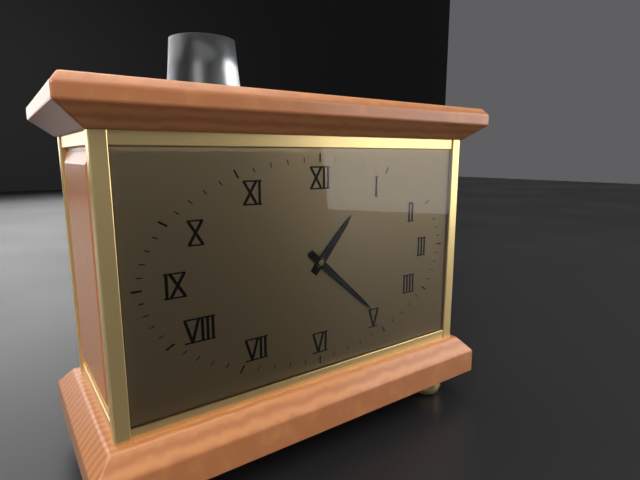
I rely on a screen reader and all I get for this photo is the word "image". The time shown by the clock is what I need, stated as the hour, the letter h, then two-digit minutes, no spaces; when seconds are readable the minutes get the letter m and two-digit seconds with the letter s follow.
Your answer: 1h22
